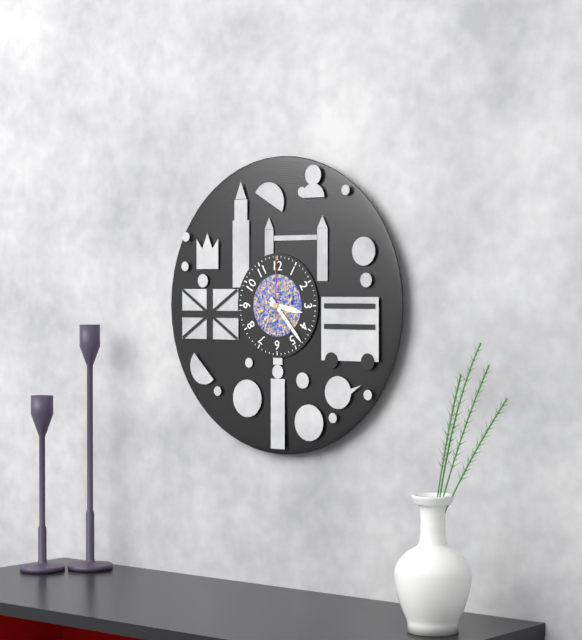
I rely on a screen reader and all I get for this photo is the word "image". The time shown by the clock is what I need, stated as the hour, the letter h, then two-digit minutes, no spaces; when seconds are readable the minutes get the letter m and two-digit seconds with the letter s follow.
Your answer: 3h23m00s
